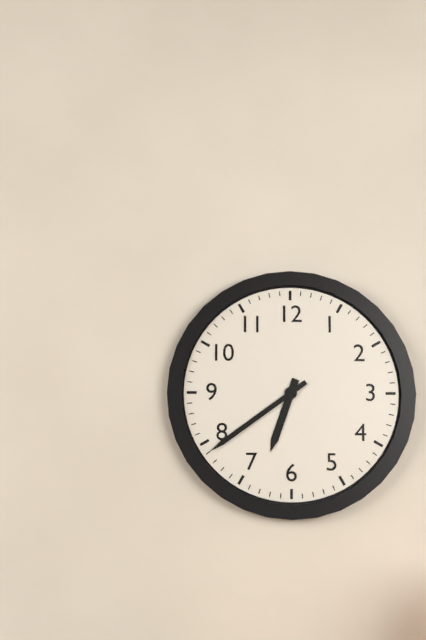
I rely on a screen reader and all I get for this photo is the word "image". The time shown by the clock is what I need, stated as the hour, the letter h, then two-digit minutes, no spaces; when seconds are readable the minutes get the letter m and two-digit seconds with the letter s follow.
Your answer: 6h39
